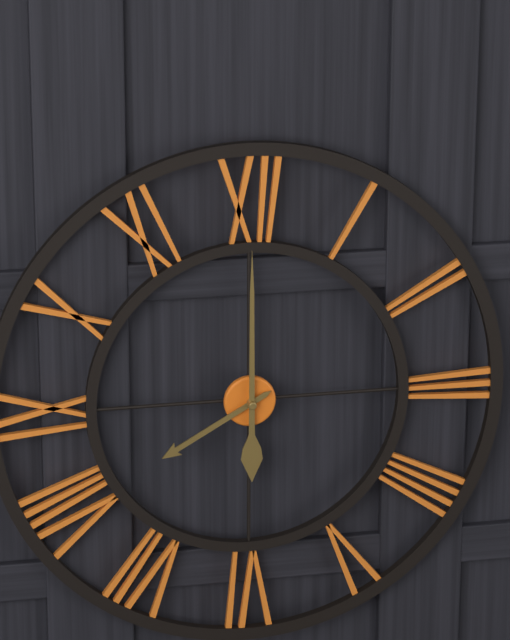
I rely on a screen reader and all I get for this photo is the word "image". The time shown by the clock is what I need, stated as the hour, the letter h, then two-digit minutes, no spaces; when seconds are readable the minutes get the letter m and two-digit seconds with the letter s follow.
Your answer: 8h00
